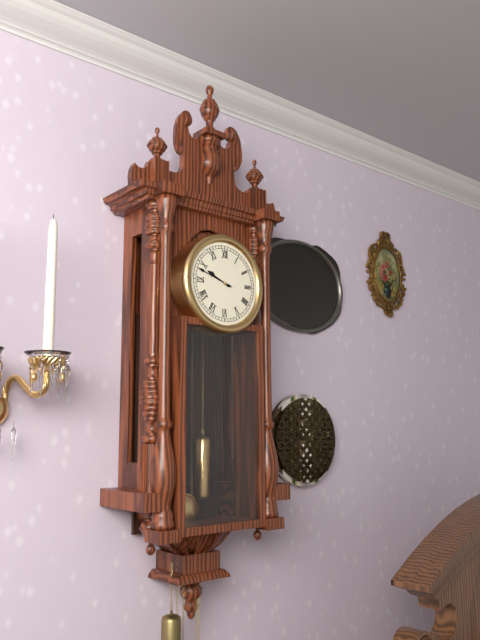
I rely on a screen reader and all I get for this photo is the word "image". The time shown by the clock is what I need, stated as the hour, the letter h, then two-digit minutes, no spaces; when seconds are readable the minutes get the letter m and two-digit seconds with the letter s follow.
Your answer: 9h48
